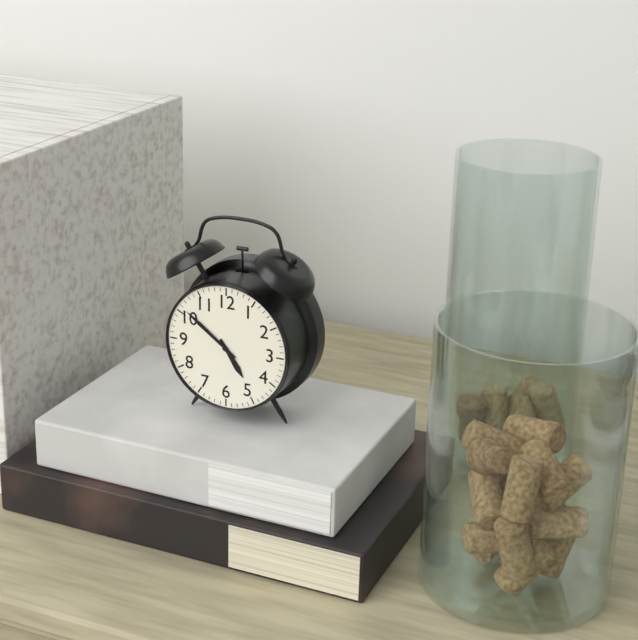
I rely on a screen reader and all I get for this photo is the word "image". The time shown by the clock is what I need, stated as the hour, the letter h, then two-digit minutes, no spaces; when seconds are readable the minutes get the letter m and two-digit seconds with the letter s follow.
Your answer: 4h51
